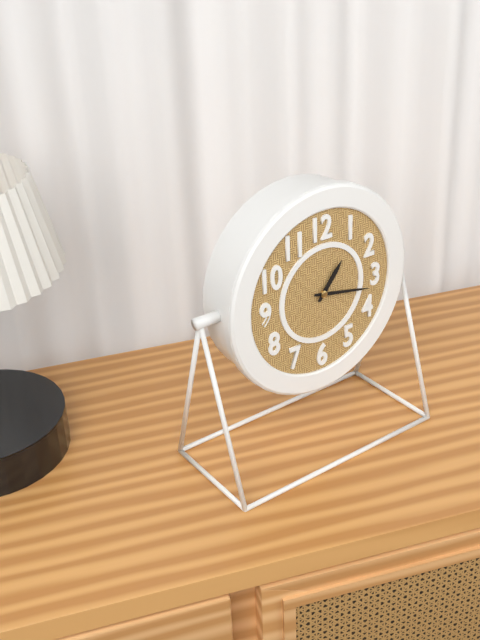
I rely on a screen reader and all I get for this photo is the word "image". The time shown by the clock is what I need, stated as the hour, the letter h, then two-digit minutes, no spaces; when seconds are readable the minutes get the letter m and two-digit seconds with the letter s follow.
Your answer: 1h17
